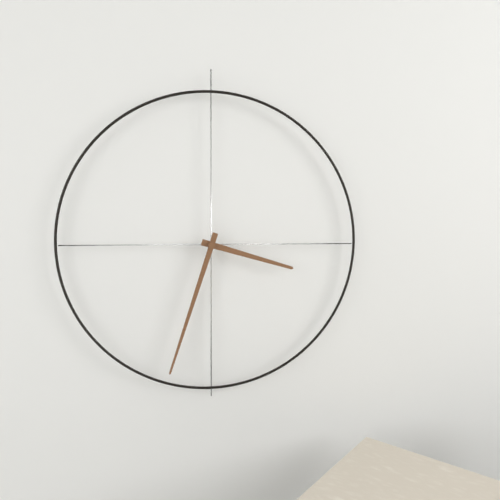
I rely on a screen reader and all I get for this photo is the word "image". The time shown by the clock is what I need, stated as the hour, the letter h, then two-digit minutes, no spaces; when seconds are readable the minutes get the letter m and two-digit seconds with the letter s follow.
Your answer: 3h33
